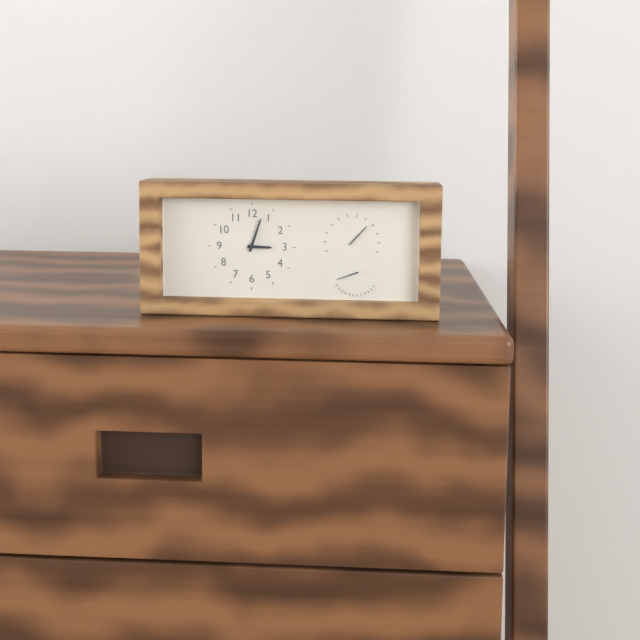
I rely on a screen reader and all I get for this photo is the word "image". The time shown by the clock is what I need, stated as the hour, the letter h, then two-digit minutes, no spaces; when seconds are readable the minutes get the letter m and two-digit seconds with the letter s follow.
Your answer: 3h03
